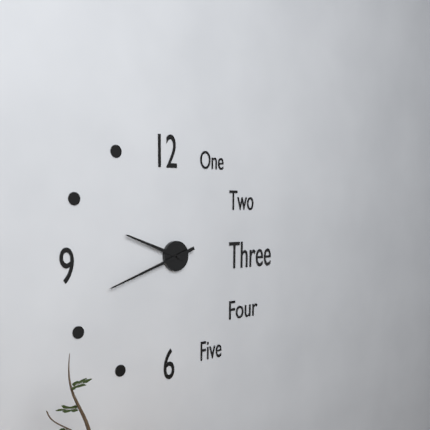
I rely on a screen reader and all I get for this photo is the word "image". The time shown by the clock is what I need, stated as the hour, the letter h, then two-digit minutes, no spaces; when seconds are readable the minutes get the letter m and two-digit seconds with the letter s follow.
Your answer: 9h42
